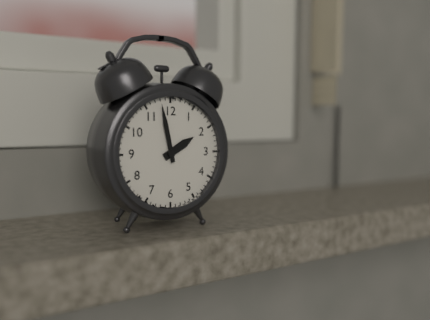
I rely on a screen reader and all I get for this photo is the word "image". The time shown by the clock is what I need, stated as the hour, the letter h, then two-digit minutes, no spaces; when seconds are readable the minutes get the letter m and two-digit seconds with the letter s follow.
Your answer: 1h58
